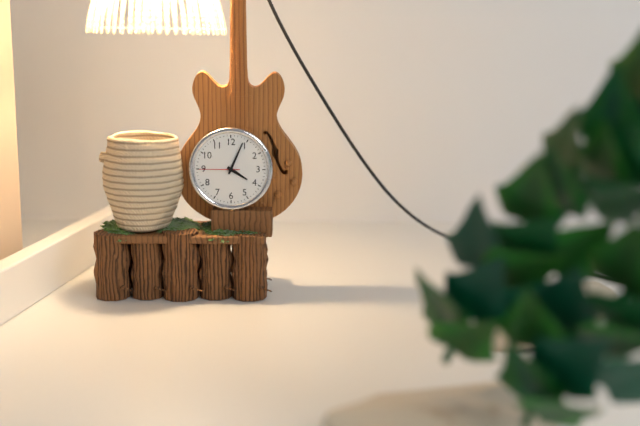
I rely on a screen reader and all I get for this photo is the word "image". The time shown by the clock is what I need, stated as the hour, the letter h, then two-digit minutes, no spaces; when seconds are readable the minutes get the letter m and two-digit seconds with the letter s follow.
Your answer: 4h04
